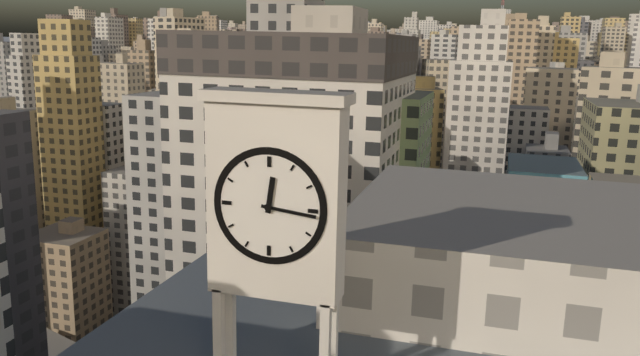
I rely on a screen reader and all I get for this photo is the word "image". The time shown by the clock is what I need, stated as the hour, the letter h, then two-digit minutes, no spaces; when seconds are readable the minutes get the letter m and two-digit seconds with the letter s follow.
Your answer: 12h16
